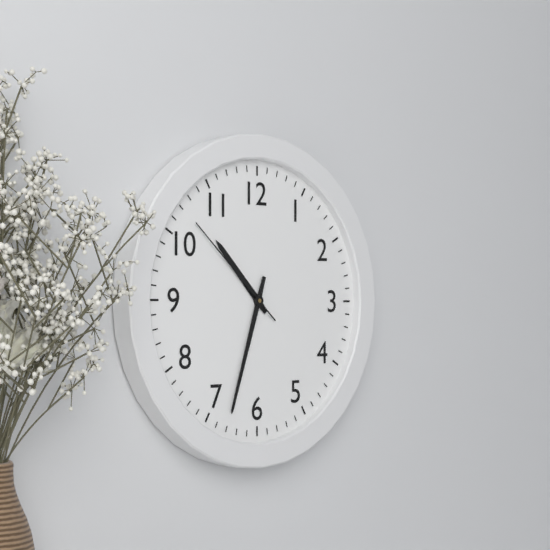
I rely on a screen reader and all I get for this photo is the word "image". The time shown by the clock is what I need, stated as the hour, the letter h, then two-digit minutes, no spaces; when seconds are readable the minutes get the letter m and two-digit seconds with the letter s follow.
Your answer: 10h33m52s
